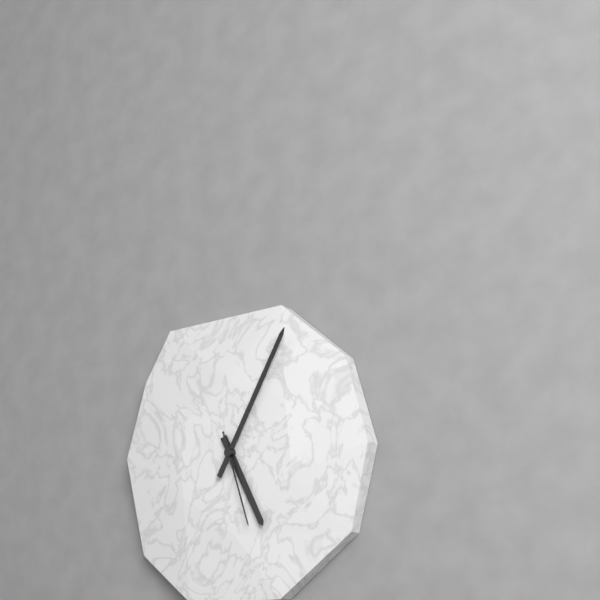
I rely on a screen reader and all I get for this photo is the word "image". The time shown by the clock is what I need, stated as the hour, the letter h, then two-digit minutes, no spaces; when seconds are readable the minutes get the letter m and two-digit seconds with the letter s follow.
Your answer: 5h05m27s
